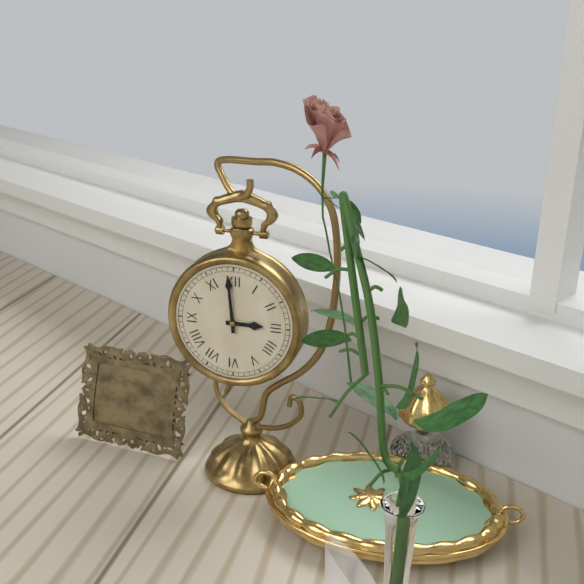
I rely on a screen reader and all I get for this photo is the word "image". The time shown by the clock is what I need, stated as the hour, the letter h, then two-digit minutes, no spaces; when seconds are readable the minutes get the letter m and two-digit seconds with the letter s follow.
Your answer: 2h59
